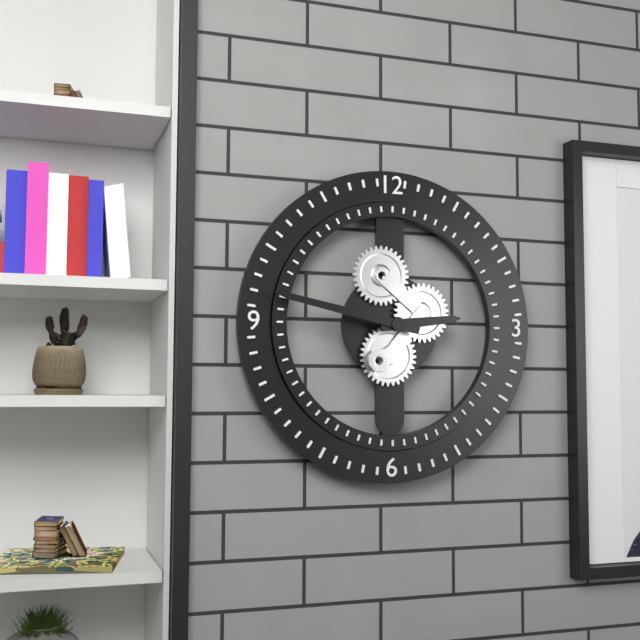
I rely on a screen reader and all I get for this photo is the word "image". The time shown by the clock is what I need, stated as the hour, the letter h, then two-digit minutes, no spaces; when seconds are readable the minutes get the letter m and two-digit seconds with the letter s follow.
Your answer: 2h47
